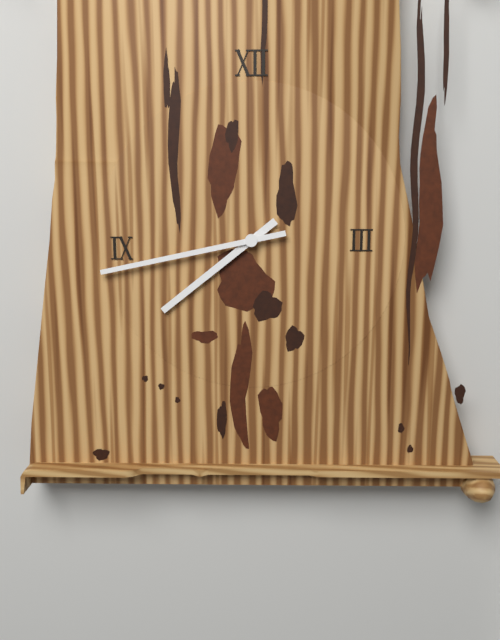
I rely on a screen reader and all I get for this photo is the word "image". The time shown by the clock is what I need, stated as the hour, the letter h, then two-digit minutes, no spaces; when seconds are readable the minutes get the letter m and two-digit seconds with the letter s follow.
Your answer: 7h43
